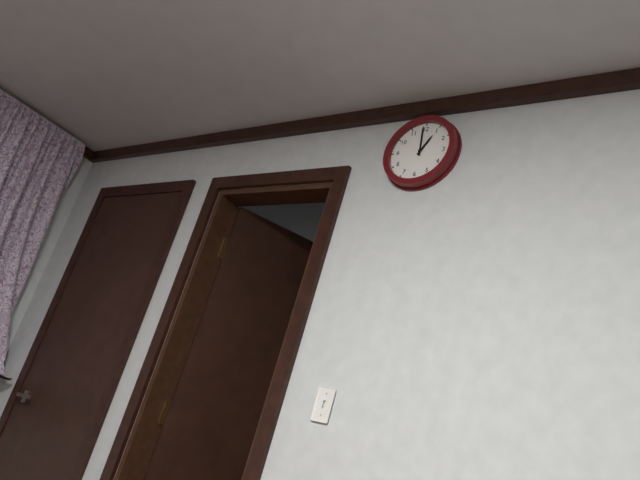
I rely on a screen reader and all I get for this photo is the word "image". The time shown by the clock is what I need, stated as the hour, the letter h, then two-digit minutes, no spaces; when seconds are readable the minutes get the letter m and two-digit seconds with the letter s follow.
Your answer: 12h59
